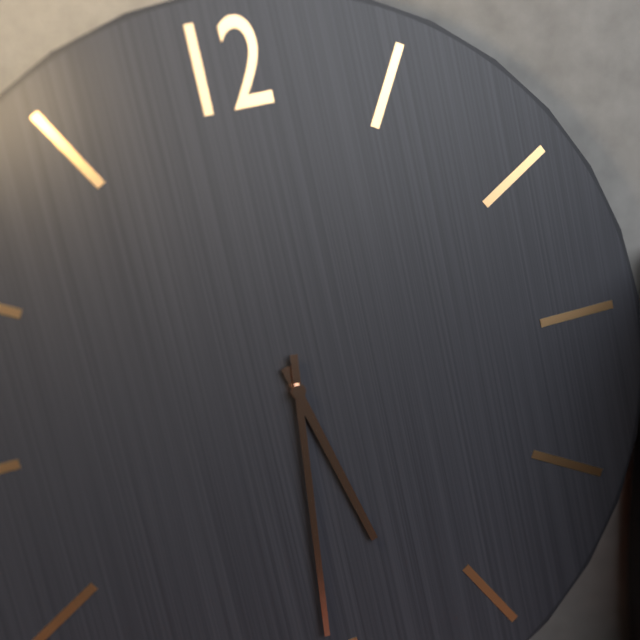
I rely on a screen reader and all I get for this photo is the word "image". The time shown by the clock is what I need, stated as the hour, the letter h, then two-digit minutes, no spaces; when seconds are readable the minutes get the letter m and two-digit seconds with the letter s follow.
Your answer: 5h31
